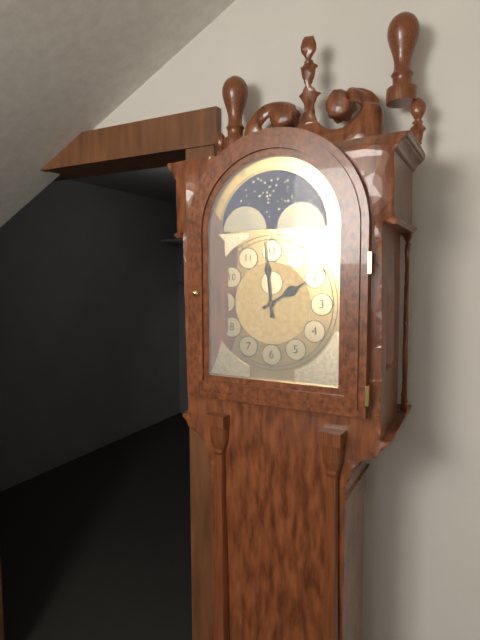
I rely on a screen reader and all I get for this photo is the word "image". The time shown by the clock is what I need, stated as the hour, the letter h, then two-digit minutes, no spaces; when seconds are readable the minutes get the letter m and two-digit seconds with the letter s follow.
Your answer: 1h59
